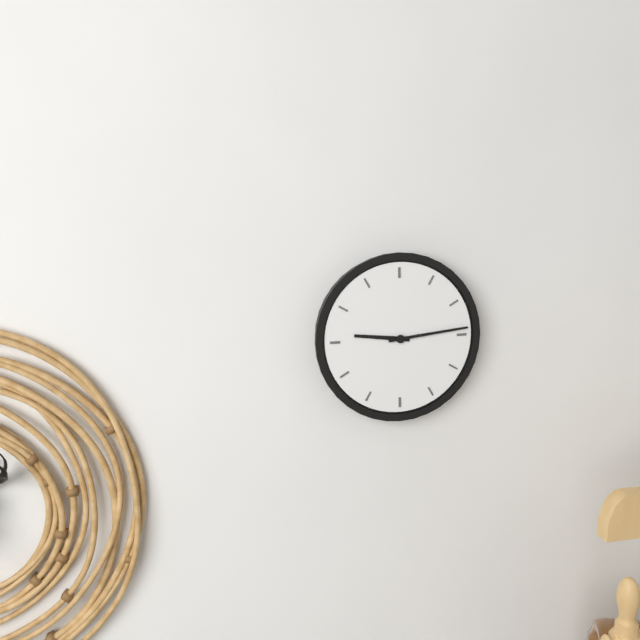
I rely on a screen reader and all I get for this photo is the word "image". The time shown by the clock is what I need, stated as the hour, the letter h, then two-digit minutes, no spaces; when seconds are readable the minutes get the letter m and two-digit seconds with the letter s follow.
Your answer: 9h14
